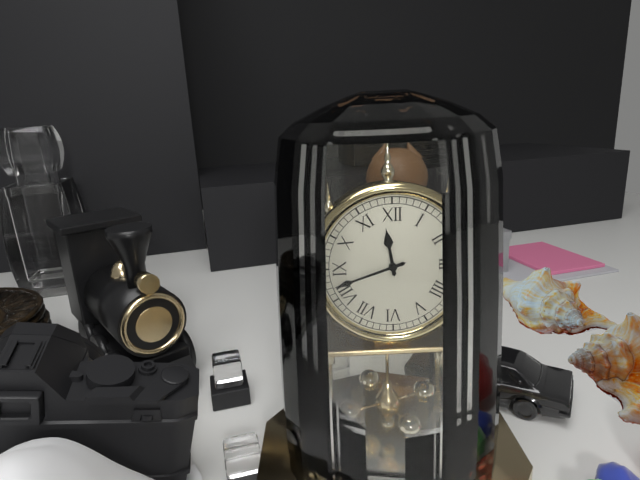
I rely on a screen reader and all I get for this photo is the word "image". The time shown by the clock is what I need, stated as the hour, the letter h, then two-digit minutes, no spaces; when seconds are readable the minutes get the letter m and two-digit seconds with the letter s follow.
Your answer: 11h42
